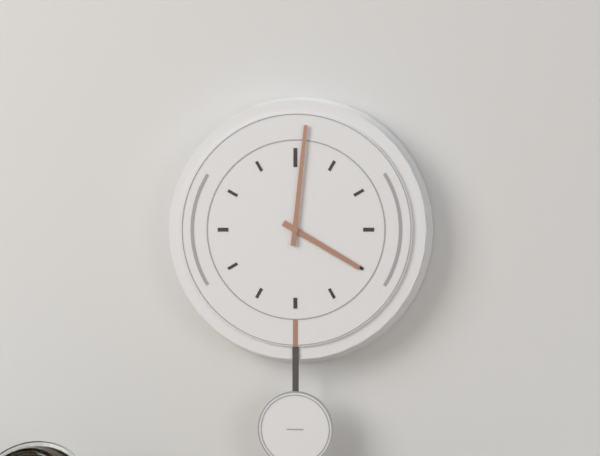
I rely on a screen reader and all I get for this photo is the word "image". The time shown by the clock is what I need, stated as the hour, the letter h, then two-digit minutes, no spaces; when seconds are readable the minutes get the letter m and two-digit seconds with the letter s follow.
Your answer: 4h01
